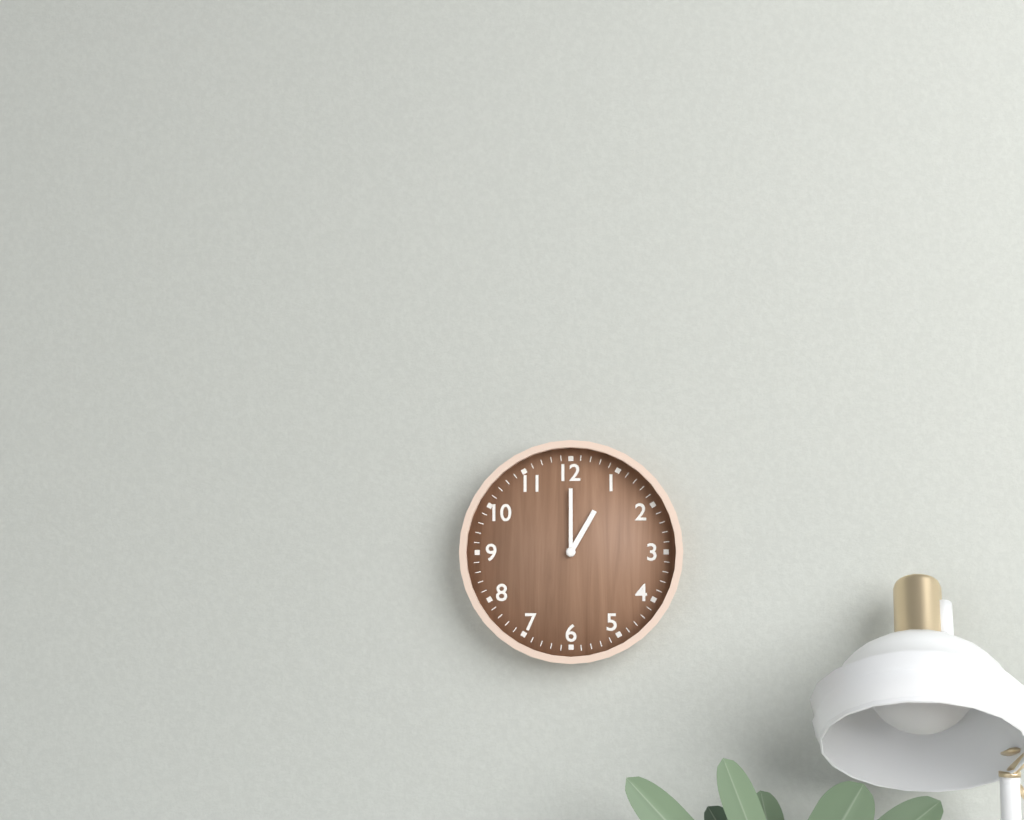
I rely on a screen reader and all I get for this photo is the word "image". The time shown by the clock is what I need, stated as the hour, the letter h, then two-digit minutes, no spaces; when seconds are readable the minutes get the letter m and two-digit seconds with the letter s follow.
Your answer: 1h00
